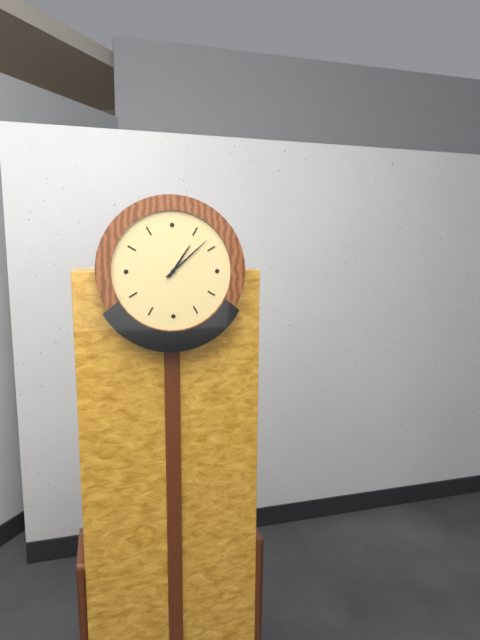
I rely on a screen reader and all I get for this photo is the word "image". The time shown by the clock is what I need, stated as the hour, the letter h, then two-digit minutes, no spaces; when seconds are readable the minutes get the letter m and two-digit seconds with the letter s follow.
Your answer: 1h08
